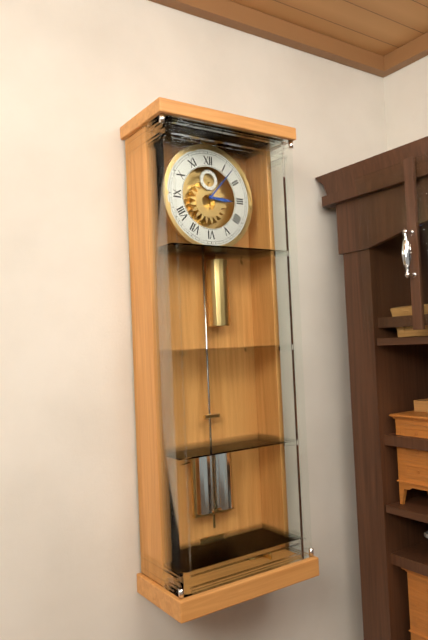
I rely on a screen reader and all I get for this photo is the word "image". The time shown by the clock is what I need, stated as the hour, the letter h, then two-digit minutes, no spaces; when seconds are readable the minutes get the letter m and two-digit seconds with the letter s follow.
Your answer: 3h07
